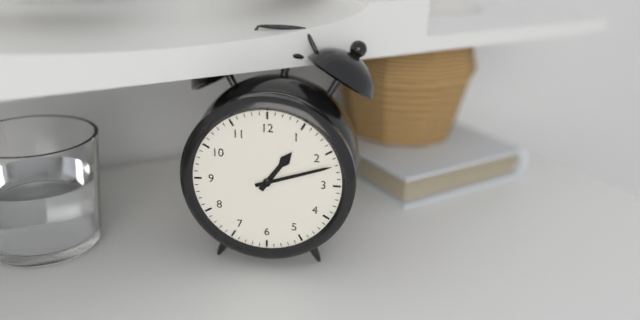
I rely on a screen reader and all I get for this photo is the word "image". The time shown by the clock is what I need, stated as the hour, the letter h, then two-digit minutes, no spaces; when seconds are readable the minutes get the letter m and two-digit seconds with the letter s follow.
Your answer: 1h12
